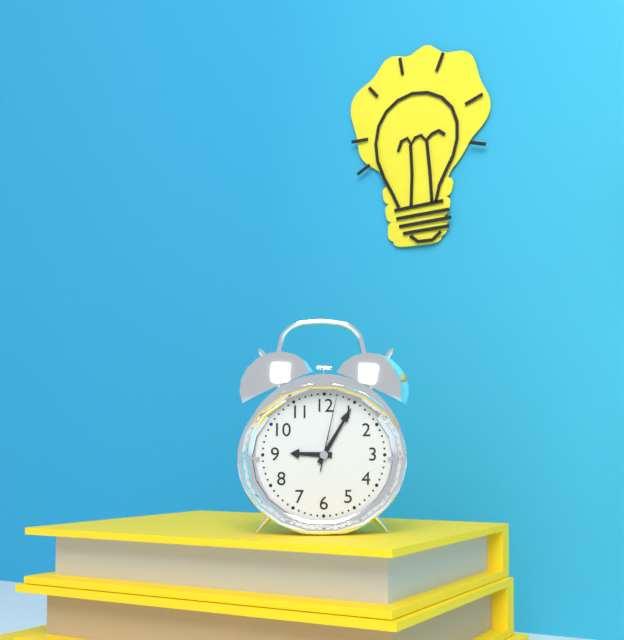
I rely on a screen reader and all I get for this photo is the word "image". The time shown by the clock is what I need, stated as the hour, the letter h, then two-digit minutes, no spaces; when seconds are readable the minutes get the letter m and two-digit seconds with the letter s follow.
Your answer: 9h05m02s
